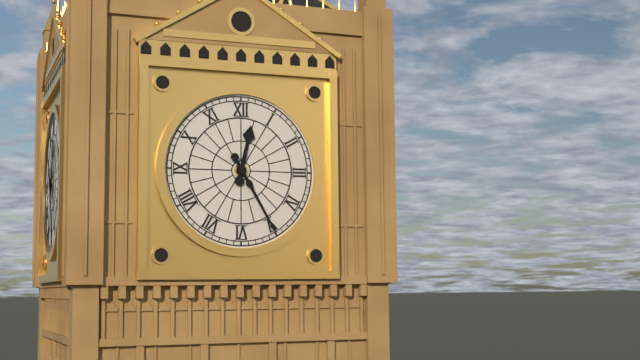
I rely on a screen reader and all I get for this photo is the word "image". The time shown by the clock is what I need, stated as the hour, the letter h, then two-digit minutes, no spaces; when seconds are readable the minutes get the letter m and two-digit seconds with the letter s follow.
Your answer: 12h25
